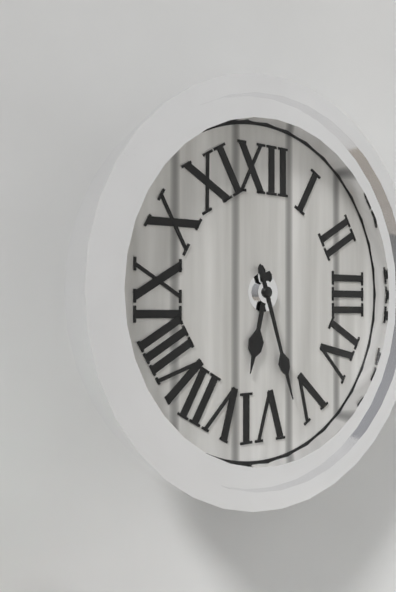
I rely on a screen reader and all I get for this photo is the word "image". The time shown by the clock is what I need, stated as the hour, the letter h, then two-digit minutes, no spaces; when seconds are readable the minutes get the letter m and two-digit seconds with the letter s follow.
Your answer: 6h27
